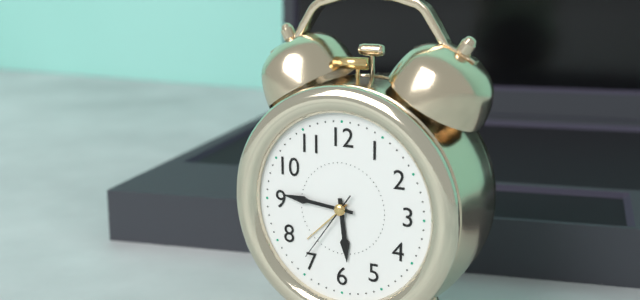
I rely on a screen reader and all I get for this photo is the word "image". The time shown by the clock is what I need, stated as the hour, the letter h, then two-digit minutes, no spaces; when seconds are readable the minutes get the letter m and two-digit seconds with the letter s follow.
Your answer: 5h46m36s
